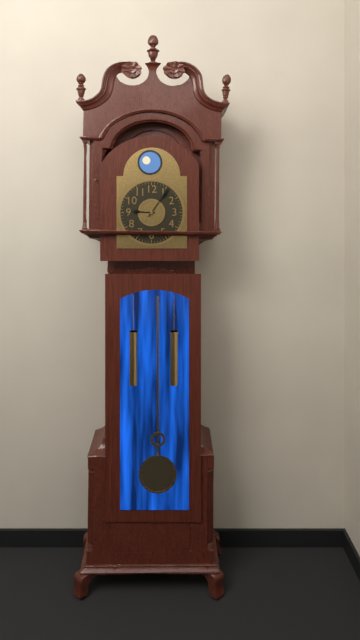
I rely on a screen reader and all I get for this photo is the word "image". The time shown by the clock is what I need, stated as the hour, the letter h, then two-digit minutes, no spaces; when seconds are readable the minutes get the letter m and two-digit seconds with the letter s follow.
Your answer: 9h06
